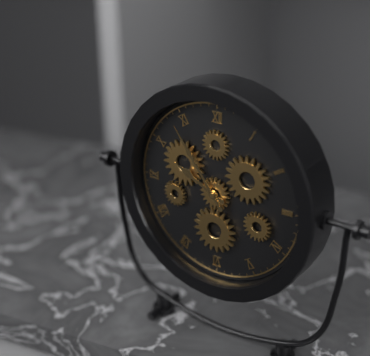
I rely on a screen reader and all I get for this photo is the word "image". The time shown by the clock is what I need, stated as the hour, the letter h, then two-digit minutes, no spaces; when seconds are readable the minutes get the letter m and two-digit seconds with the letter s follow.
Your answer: 9h54
